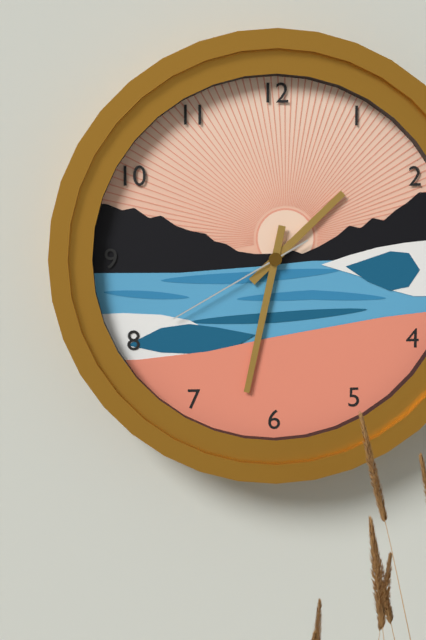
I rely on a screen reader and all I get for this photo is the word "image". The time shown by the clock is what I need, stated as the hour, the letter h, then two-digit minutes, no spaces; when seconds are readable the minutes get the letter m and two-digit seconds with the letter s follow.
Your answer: 1h32m40s
